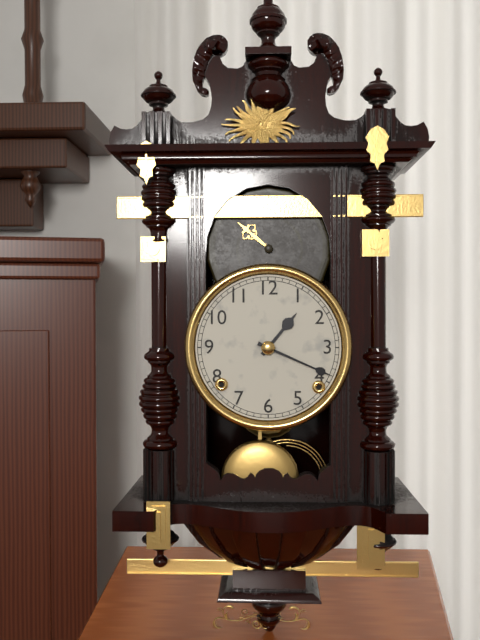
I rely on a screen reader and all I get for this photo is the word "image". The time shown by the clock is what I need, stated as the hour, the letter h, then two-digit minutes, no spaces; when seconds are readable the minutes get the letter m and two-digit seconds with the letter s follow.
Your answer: 1h19
